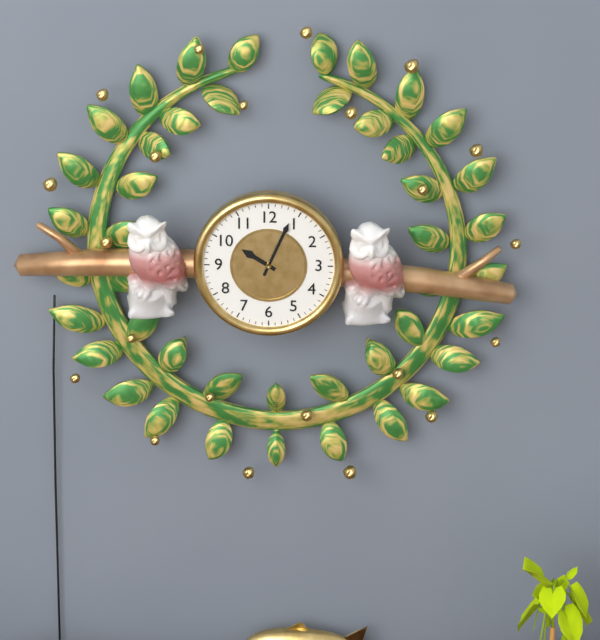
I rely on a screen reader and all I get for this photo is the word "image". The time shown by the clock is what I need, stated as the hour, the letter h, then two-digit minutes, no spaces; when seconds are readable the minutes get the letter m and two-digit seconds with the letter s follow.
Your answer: 10h04
